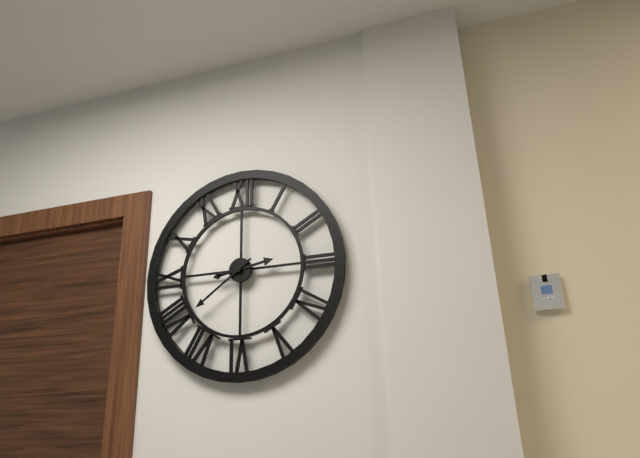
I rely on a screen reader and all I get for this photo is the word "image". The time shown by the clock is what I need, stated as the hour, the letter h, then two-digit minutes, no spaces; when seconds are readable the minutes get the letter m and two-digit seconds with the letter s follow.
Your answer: 2h39
